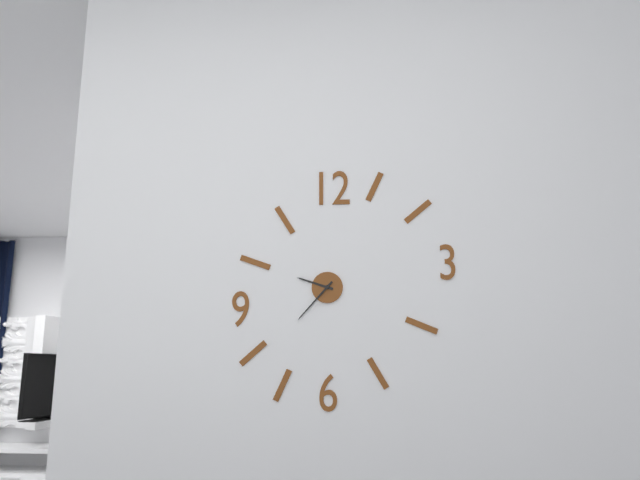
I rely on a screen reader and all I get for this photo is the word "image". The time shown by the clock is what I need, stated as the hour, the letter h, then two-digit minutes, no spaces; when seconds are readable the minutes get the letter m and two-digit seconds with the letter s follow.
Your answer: 9h37
